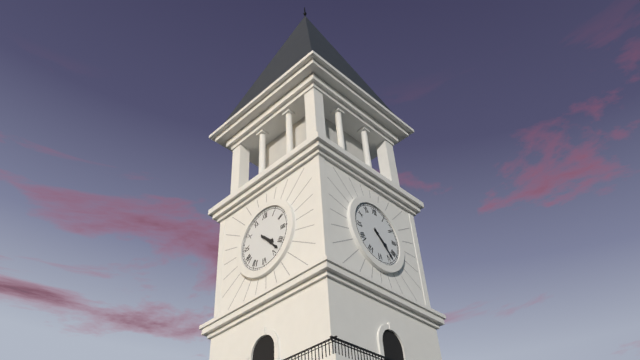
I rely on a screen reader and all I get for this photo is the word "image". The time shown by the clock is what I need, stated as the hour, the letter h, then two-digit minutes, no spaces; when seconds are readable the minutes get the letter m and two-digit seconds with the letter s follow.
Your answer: 4h23
